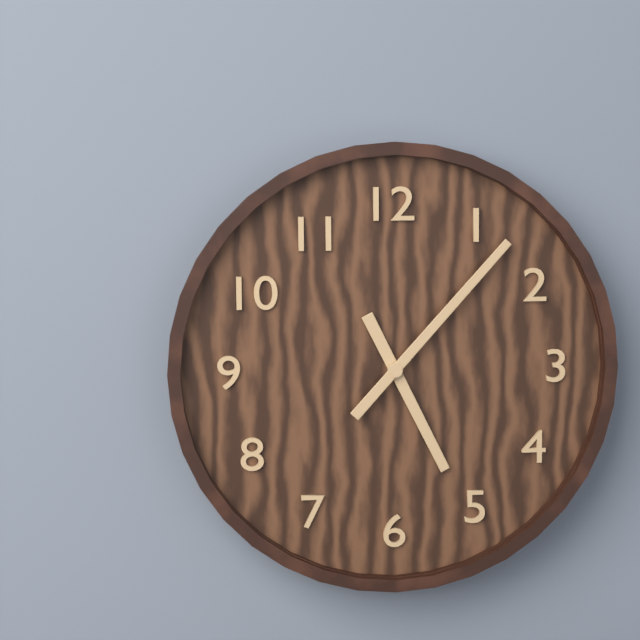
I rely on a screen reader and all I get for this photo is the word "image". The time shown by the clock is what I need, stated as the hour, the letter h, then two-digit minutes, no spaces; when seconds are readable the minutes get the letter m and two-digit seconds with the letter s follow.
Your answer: 5h07
